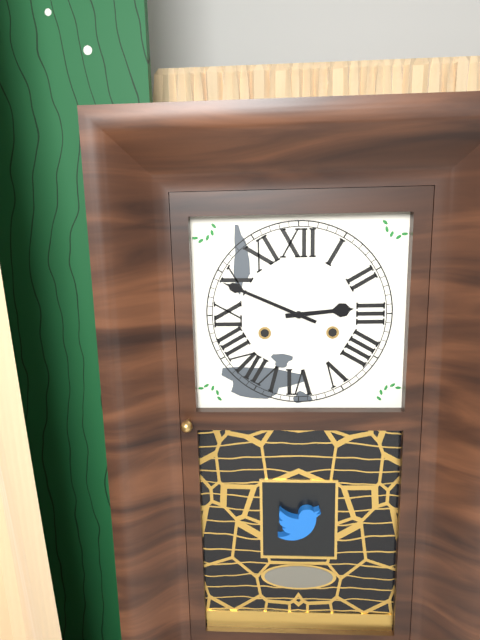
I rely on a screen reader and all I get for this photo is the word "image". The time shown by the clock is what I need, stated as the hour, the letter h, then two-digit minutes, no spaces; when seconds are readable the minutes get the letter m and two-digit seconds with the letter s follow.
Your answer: 2h49
